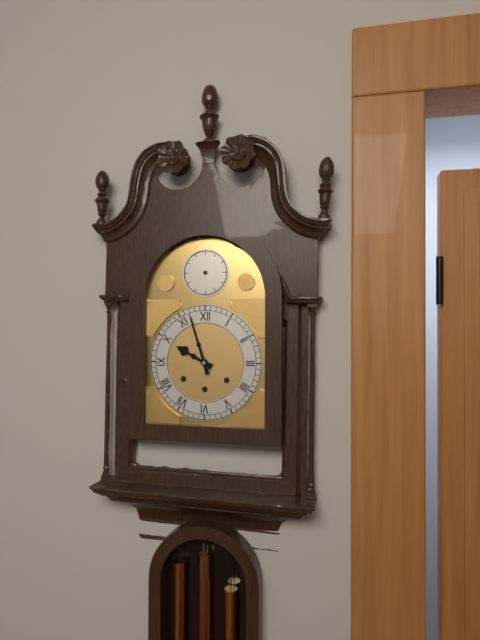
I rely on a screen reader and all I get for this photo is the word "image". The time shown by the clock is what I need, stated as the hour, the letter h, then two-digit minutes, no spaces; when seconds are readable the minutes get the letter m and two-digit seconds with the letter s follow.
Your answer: 9h57
